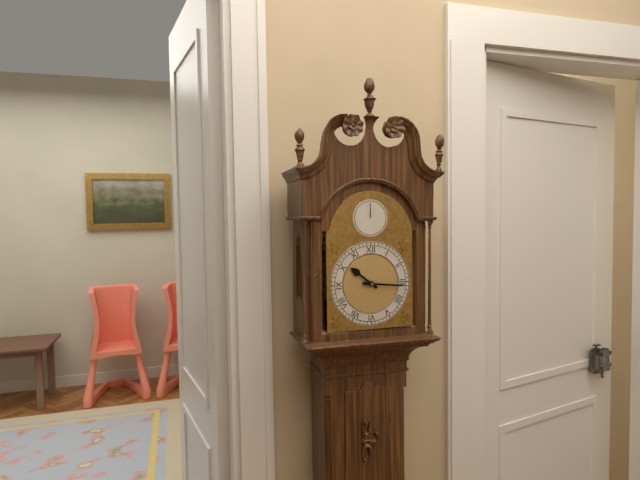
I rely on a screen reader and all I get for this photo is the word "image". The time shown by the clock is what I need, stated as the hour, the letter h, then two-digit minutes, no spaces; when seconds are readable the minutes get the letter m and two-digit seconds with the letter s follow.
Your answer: 10h16
